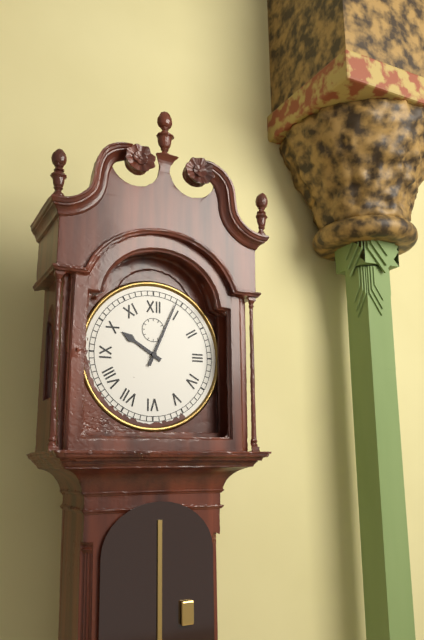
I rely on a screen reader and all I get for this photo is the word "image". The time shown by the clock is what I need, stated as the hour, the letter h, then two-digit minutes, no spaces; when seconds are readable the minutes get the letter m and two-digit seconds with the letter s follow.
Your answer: 10h04
